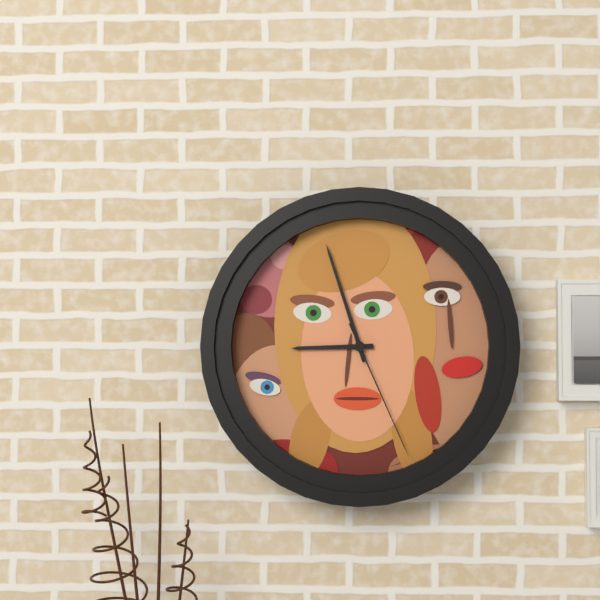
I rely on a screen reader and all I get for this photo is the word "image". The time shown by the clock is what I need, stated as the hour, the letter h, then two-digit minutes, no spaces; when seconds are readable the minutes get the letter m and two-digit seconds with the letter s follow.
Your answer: 8h57m26s
